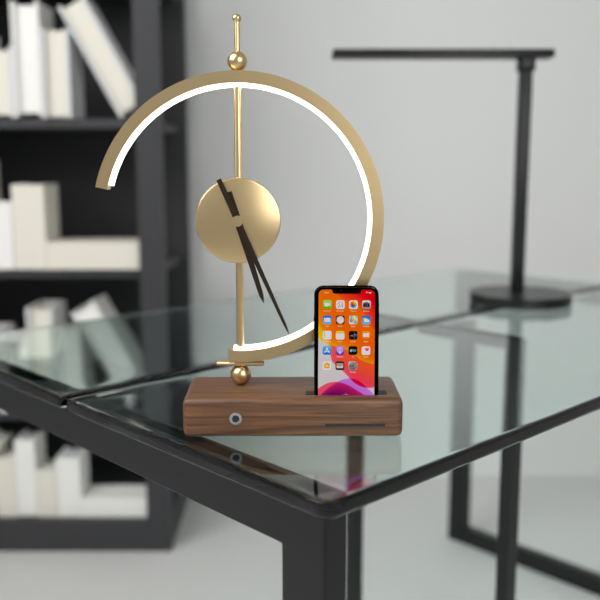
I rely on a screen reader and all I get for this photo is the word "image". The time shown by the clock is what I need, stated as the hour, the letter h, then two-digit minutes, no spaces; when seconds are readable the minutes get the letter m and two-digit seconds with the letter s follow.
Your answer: 5h26
